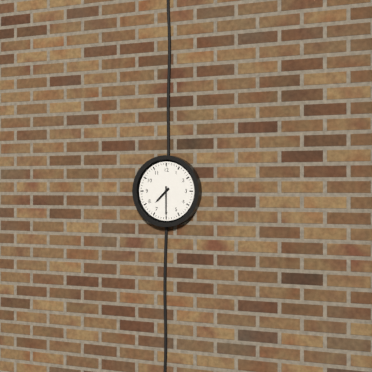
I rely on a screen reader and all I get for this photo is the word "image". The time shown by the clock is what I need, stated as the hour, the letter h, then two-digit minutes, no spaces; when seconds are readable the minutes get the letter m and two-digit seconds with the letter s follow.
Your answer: 7h30
